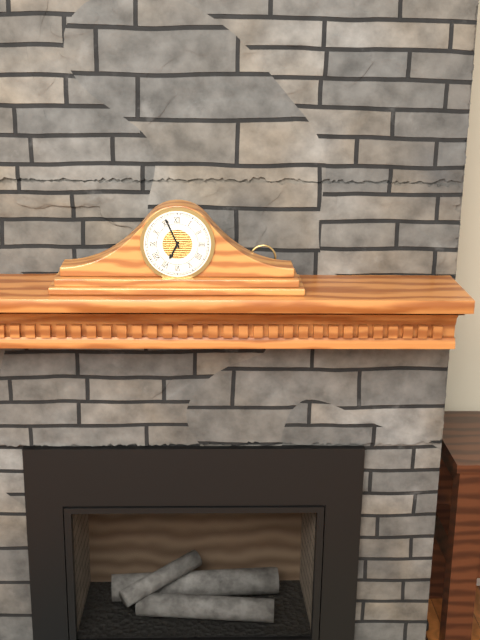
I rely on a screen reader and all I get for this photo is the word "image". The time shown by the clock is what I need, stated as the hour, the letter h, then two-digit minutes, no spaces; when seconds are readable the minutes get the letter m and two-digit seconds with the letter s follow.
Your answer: 6h56
